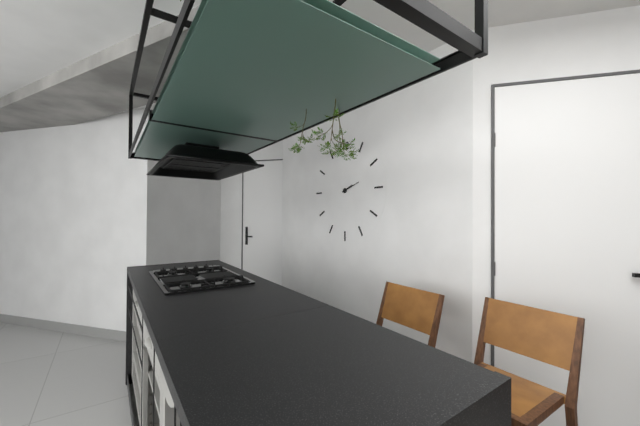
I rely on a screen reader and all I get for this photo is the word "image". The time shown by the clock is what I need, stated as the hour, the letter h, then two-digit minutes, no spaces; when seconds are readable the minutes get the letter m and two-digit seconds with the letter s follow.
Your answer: 2h12
